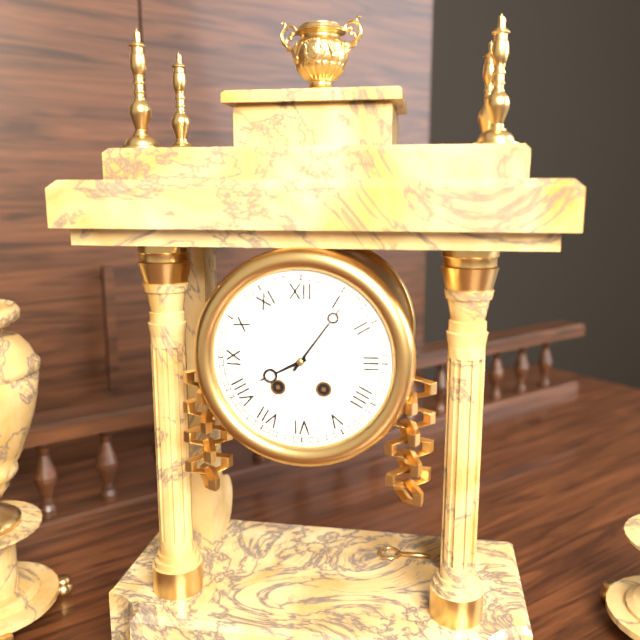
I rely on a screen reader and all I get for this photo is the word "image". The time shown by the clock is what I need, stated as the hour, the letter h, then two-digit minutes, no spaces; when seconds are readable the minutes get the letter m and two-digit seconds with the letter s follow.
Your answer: 8h06
